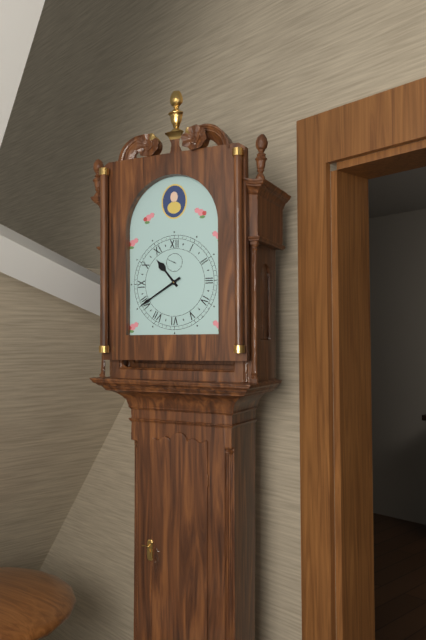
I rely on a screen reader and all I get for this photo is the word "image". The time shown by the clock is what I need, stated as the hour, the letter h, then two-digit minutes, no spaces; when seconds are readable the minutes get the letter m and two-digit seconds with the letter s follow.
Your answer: 10h40
